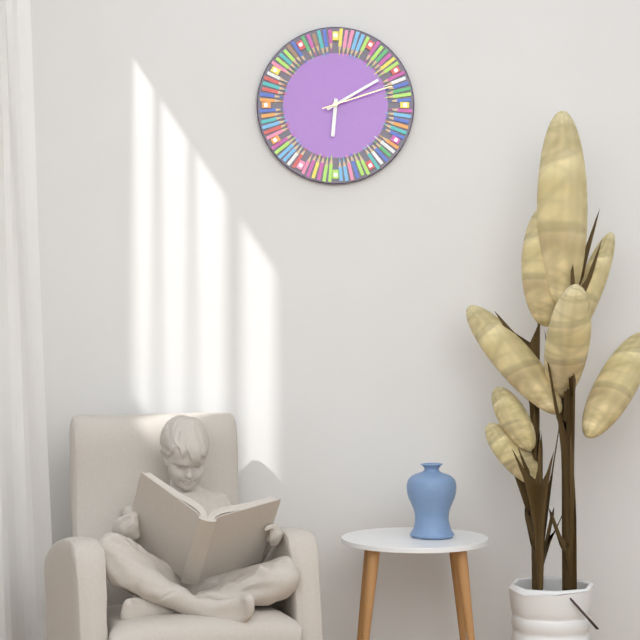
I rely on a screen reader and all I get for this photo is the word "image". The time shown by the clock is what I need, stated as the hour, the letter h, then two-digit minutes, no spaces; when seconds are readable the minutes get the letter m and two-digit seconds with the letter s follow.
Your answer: 6h10m12s
